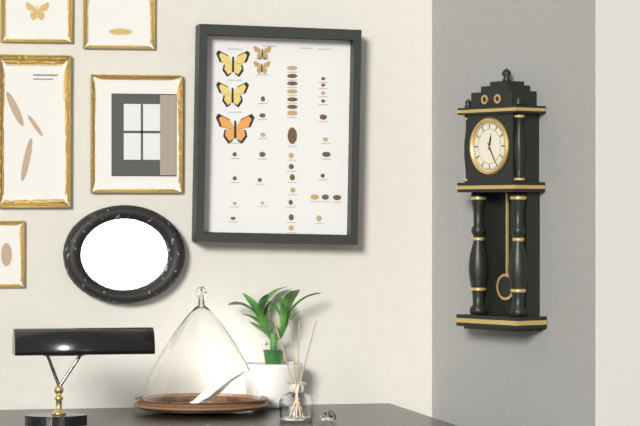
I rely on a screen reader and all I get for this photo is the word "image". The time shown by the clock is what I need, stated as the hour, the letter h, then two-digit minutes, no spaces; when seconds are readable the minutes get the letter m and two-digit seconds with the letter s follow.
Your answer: 12h25
